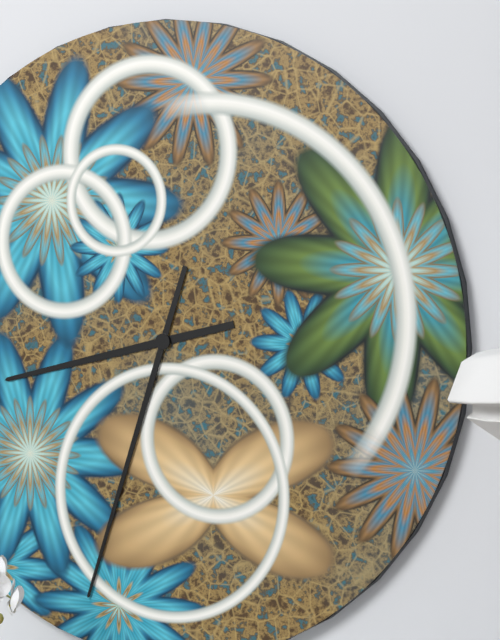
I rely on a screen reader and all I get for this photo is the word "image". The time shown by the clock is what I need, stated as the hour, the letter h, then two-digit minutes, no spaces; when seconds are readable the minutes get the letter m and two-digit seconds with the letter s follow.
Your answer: 8h33
